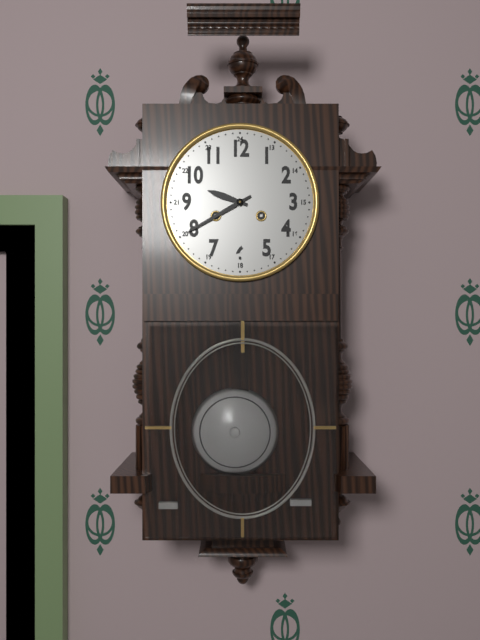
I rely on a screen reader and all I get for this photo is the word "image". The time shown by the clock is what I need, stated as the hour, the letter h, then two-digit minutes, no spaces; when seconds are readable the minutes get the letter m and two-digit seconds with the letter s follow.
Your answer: 9h40
